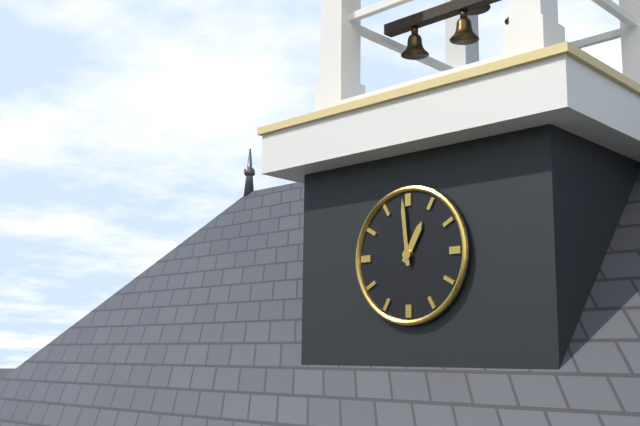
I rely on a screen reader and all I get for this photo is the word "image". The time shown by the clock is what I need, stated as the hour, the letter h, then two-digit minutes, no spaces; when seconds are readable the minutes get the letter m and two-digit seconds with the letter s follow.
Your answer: 12h59
